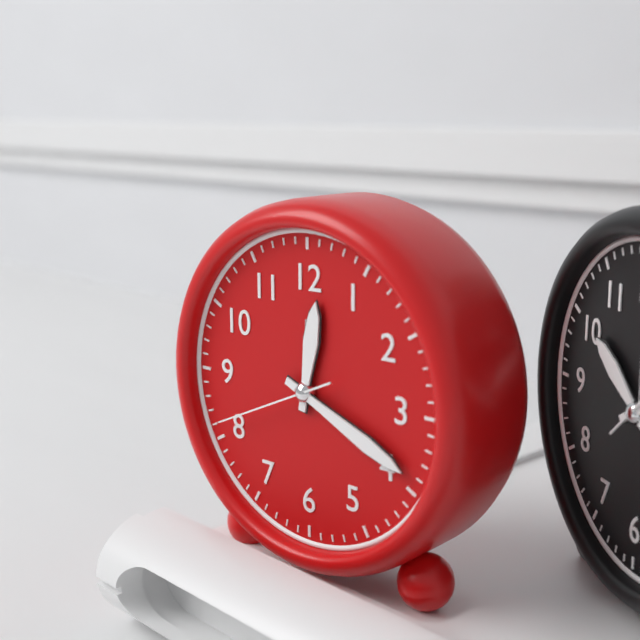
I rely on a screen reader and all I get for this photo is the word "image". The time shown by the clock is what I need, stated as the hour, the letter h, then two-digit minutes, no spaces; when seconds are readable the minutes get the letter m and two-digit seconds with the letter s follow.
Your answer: 12h19m41s
